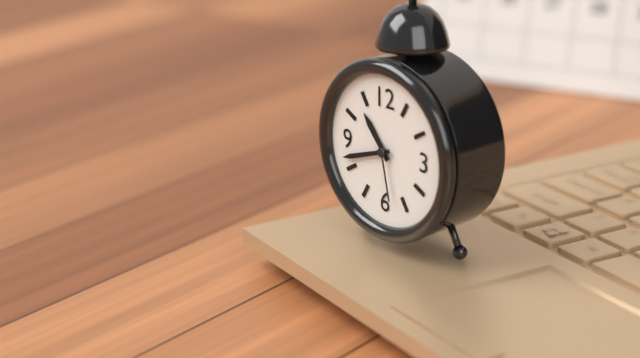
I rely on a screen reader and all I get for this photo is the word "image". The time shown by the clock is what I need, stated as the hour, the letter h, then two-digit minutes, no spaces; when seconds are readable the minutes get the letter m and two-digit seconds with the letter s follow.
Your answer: 10h42m28s
